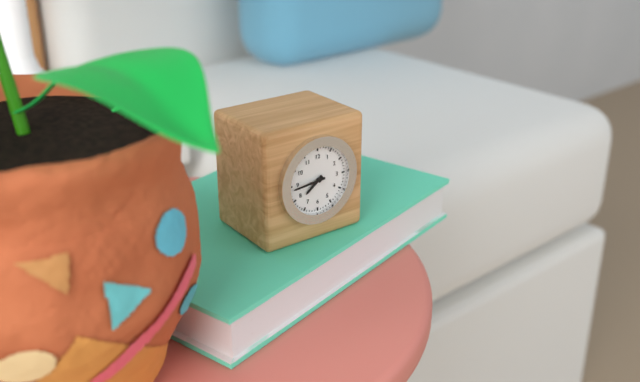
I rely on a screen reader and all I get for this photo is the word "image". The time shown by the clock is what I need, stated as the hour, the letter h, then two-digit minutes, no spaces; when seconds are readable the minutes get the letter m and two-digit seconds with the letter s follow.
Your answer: 7h44
